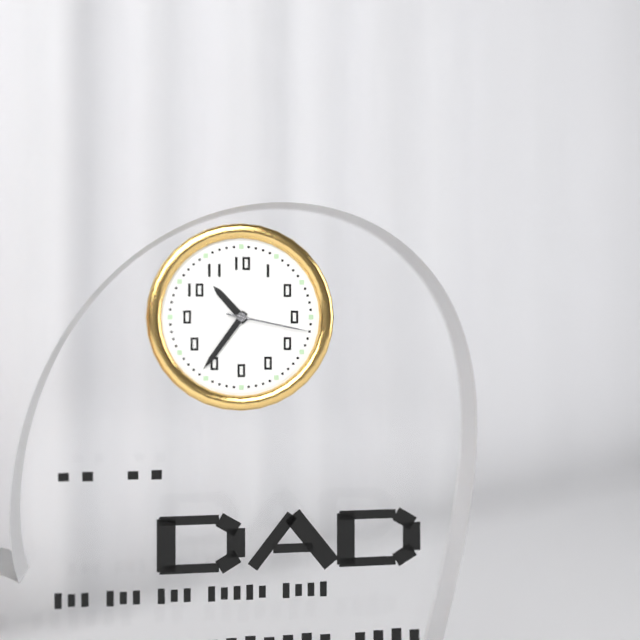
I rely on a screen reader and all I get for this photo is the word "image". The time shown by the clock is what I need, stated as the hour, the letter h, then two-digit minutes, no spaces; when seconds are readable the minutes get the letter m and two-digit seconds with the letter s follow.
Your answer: 10h36m17s
